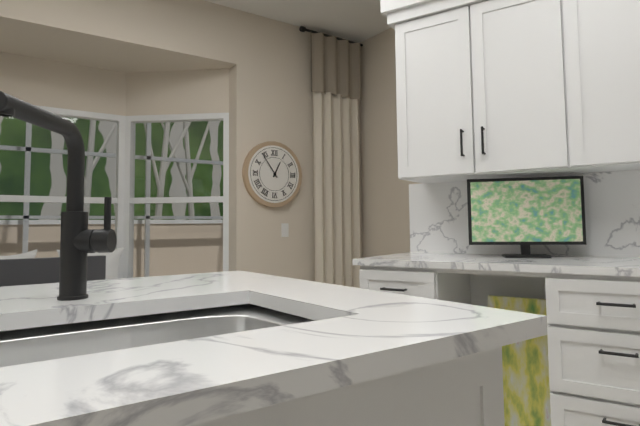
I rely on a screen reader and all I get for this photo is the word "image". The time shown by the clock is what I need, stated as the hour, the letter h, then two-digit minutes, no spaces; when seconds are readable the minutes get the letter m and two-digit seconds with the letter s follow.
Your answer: 12h54
